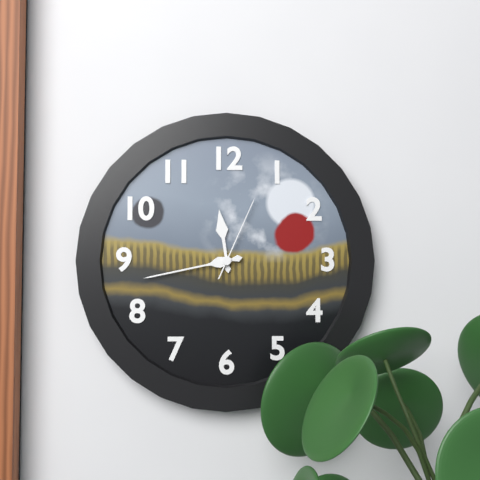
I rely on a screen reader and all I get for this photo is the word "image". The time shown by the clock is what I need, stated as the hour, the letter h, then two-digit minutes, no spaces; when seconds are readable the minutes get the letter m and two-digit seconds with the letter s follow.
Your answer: 11h43m04s
